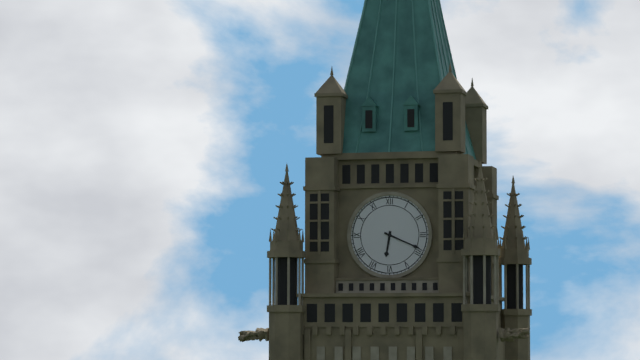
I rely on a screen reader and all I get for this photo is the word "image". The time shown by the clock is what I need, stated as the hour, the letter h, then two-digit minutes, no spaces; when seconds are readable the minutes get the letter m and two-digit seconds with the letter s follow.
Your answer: 6h19
